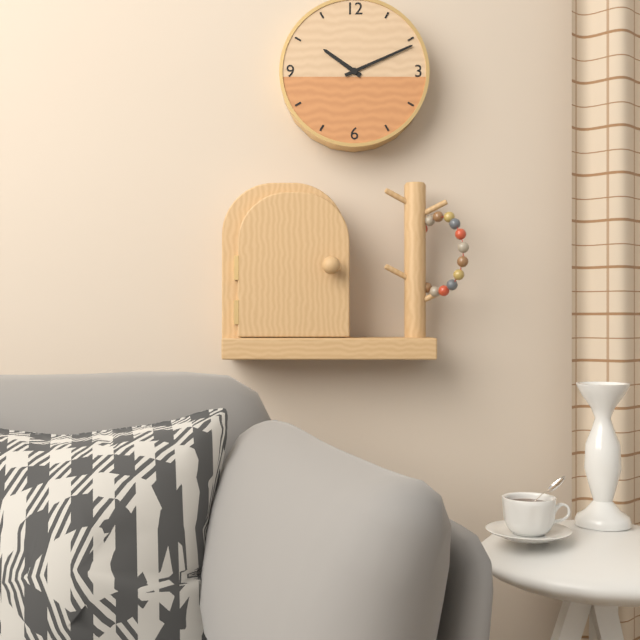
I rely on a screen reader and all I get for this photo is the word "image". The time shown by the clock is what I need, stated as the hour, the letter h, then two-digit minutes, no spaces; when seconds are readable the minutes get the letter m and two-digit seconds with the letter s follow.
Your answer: 10h11
